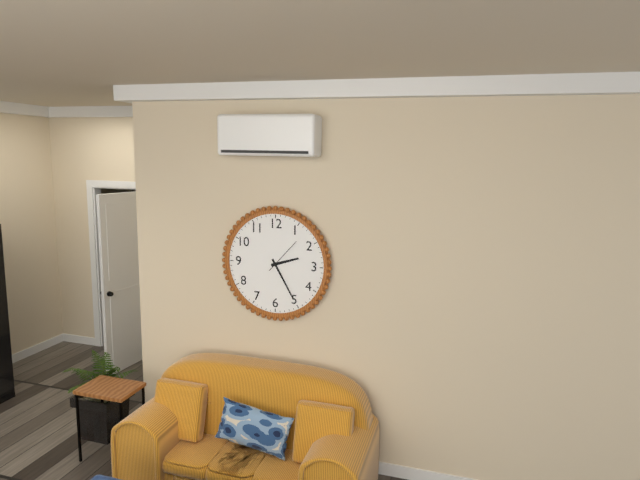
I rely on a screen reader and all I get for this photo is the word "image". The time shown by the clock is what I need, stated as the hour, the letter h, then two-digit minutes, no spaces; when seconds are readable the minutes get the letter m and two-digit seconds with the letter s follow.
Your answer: 2h25
